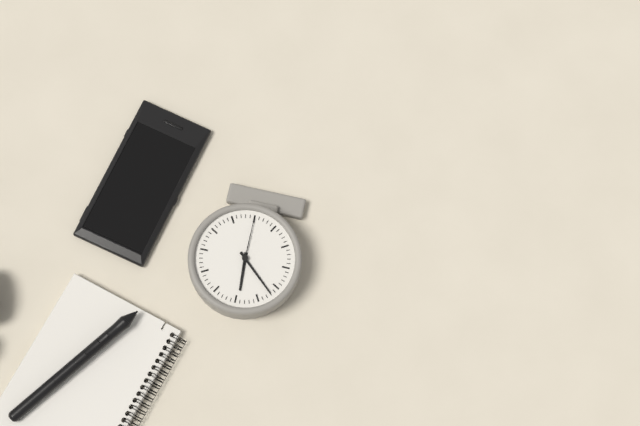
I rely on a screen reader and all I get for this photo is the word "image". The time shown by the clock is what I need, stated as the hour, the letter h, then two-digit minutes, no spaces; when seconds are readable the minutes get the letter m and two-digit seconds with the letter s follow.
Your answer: 11h52m30s
